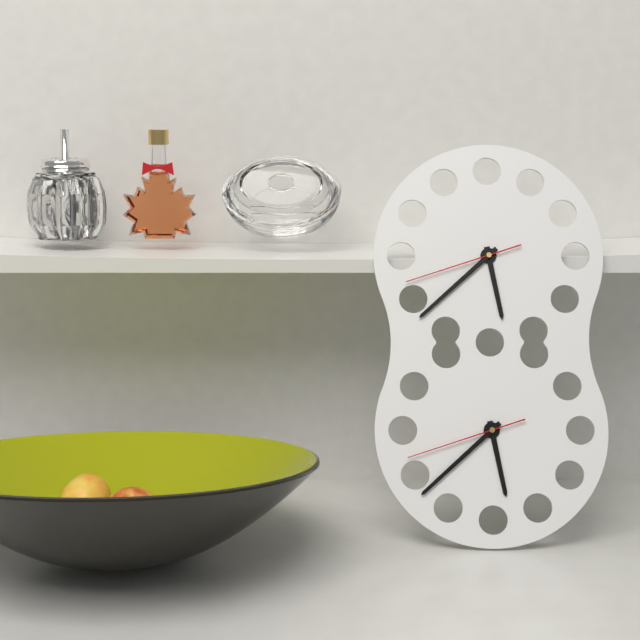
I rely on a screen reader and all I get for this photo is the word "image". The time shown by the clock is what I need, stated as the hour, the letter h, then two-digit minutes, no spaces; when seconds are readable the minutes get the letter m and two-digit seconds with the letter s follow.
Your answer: 5h38m42s
